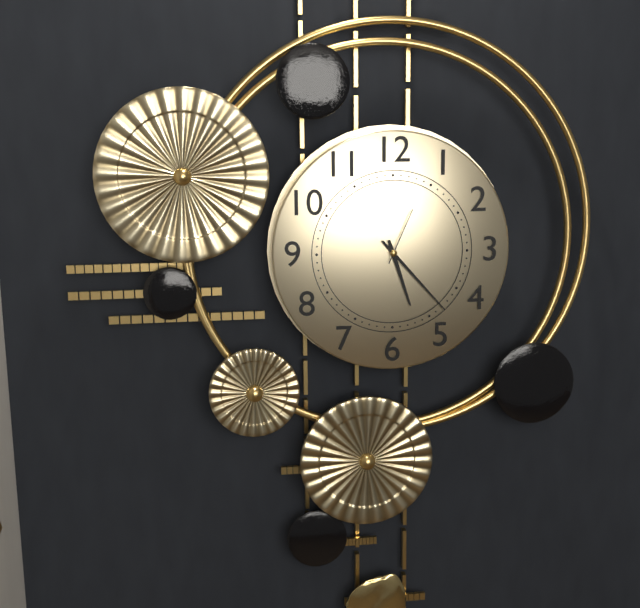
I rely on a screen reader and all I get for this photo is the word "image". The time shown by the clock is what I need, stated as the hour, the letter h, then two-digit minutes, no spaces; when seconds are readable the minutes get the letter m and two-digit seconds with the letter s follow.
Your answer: 5h23m04s
